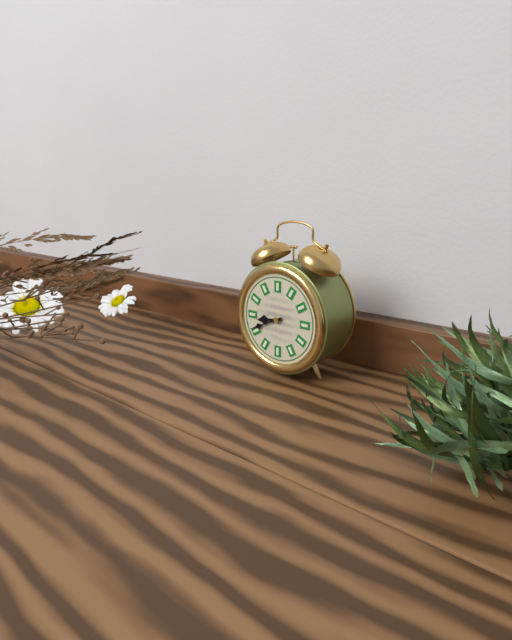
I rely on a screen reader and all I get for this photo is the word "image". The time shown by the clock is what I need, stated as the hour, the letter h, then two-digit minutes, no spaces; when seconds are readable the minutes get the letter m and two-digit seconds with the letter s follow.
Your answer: 8h41
